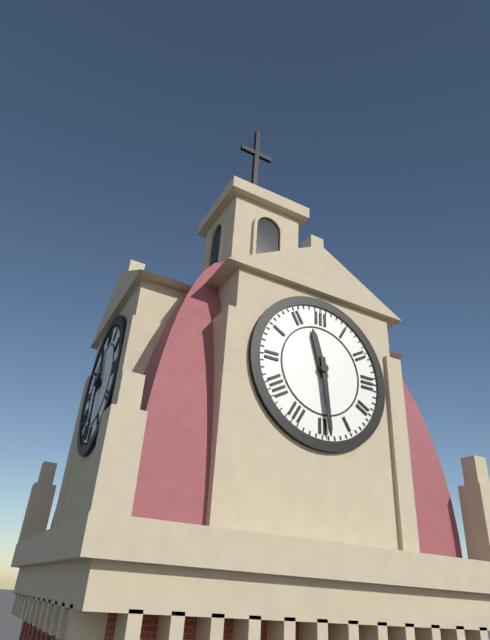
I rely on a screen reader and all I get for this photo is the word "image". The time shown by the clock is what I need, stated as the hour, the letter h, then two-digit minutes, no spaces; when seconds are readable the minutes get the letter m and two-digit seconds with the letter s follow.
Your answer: 11h29
